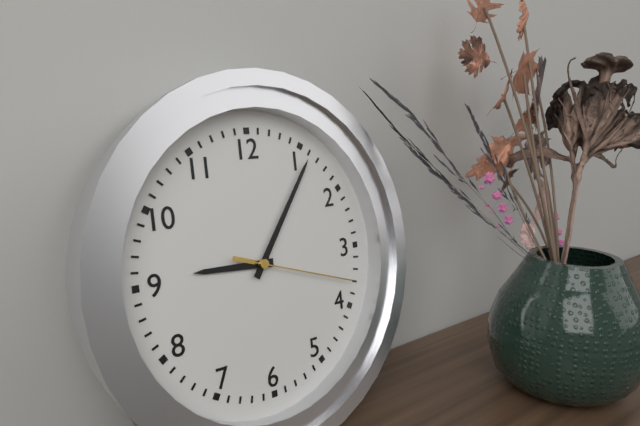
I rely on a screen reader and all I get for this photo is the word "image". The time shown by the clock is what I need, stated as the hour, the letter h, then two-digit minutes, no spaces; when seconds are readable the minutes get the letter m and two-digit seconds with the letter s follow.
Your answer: 9h06m18s
